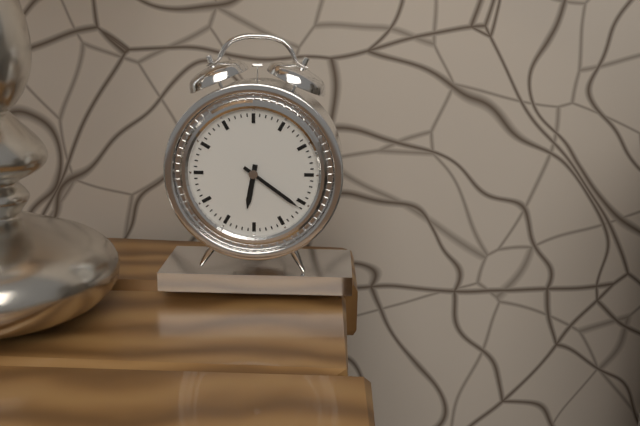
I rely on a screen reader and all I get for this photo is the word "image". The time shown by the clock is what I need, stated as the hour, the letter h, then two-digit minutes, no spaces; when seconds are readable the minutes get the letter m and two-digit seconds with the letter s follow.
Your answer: 6h21
